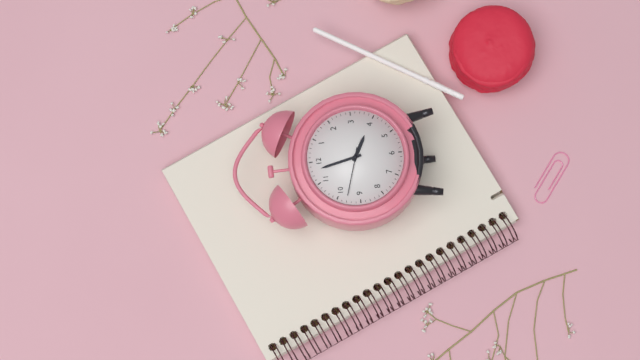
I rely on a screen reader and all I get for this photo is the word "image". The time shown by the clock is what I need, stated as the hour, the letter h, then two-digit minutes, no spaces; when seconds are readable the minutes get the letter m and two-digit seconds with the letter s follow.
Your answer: 3h58
